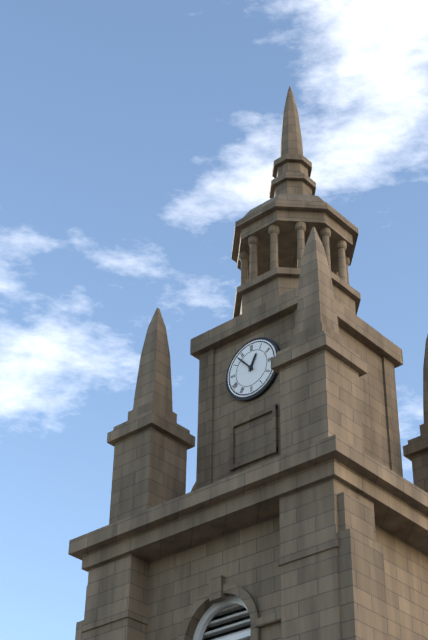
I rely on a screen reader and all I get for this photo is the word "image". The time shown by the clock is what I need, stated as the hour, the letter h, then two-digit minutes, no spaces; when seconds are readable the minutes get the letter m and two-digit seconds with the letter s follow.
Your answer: 12h53
